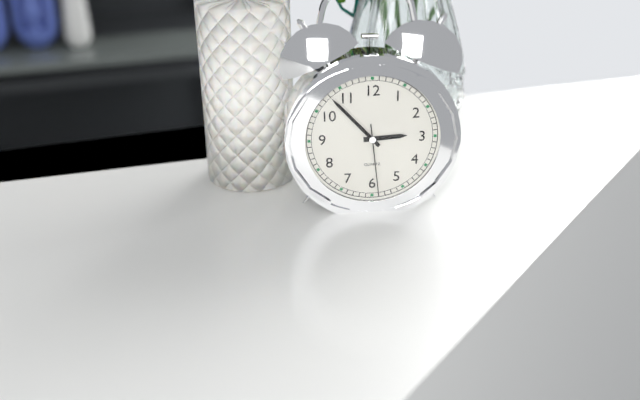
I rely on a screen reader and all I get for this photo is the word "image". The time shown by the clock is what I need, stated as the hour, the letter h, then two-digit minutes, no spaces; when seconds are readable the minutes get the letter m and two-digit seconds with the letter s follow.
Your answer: 2h53m29s
